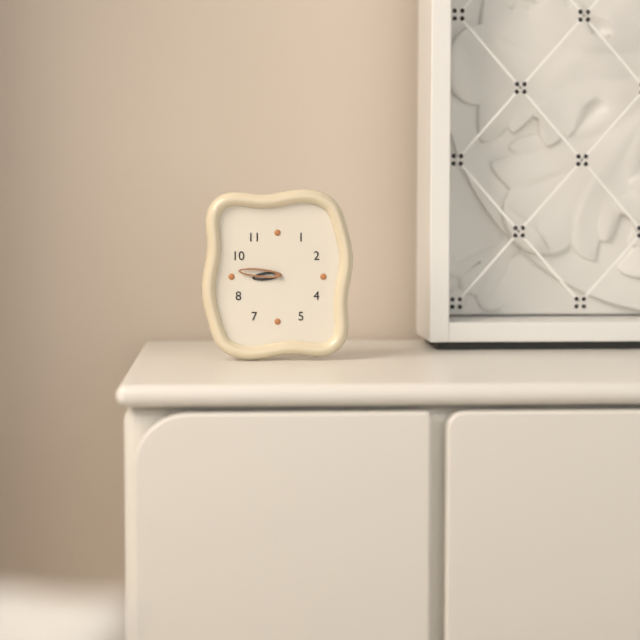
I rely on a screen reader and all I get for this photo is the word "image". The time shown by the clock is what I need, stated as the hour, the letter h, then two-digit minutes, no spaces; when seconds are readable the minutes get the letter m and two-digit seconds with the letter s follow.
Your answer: 8h46
